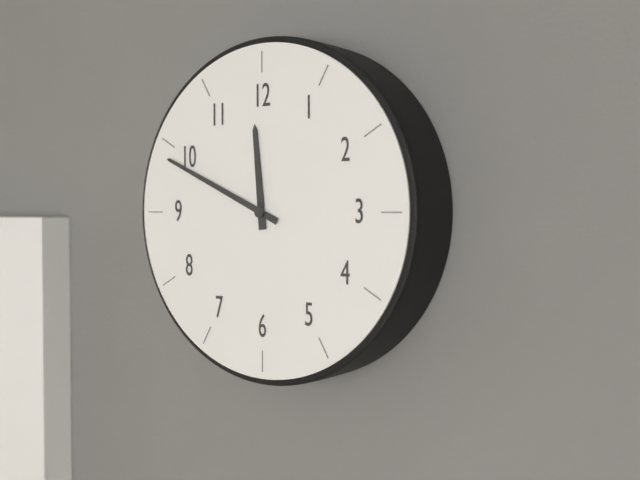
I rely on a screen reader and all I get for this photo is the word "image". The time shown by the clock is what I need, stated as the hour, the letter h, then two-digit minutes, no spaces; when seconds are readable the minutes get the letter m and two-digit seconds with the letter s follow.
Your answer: 11h49
